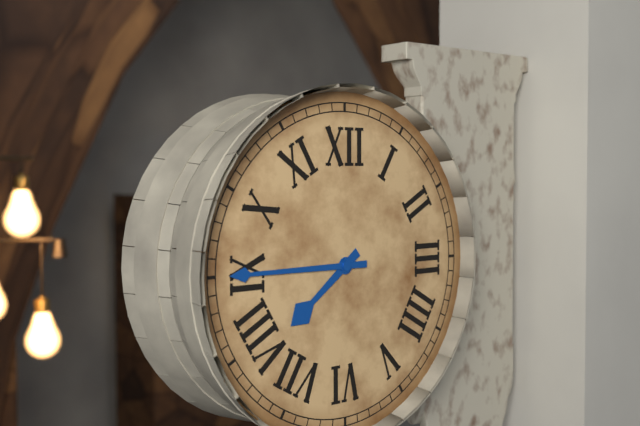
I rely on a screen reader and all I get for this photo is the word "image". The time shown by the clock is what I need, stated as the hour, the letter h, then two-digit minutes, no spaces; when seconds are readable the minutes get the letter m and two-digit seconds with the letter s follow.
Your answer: 7h45
